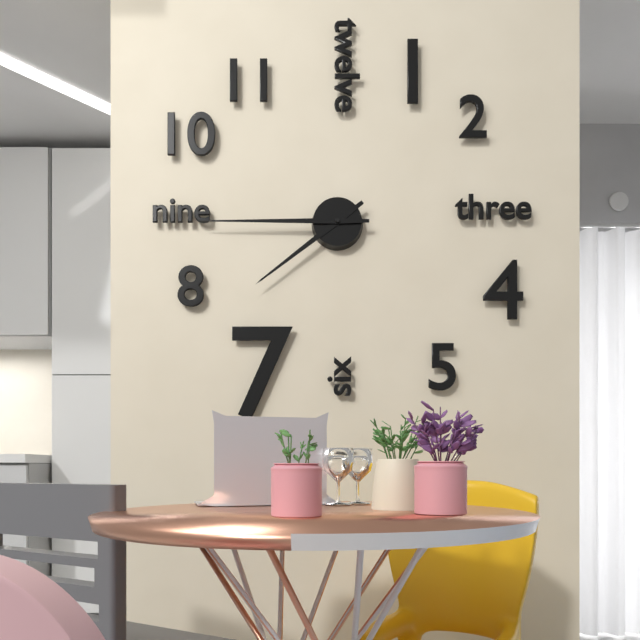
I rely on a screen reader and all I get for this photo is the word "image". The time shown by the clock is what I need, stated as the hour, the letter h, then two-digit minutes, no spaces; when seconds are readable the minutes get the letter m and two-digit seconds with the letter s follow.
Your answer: 7h45
